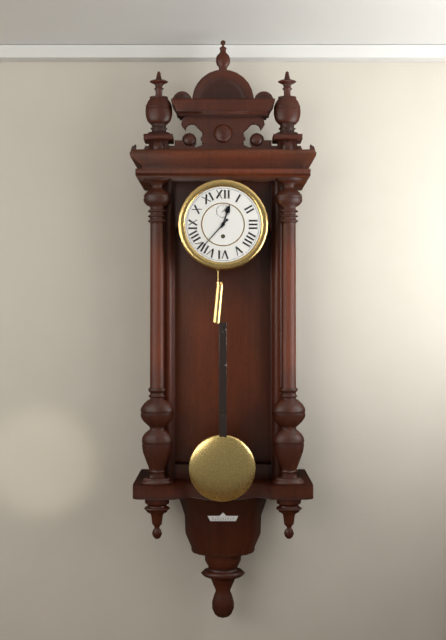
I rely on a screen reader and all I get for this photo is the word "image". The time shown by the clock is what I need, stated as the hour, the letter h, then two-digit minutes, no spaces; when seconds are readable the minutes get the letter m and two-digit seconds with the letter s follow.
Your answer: 12h37
